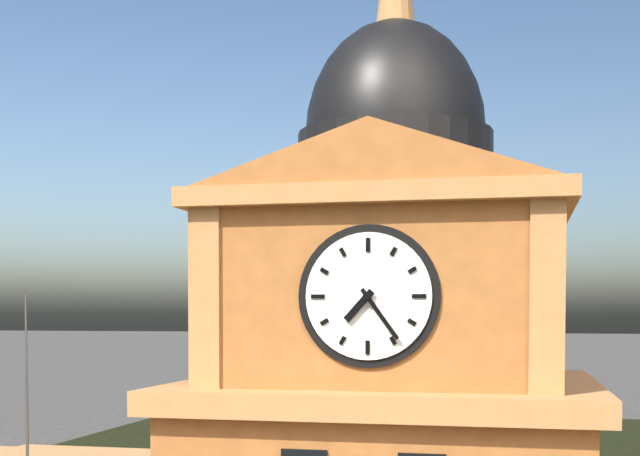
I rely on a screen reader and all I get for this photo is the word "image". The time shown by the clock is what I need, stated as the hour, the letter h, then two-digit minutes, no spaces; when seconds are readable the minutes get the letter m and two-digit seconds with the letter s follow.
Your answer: 7h24
